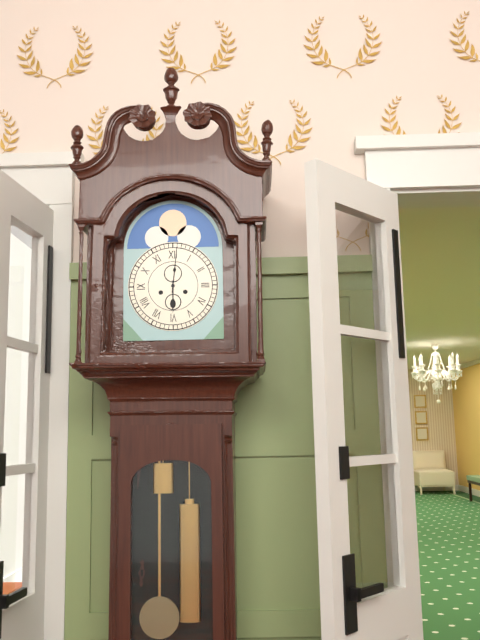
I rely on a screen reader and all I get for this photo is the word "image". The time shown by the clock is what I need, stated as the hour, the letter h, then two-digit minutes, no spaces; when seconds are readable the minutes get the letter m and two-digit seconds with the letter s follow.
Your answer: 6h01
